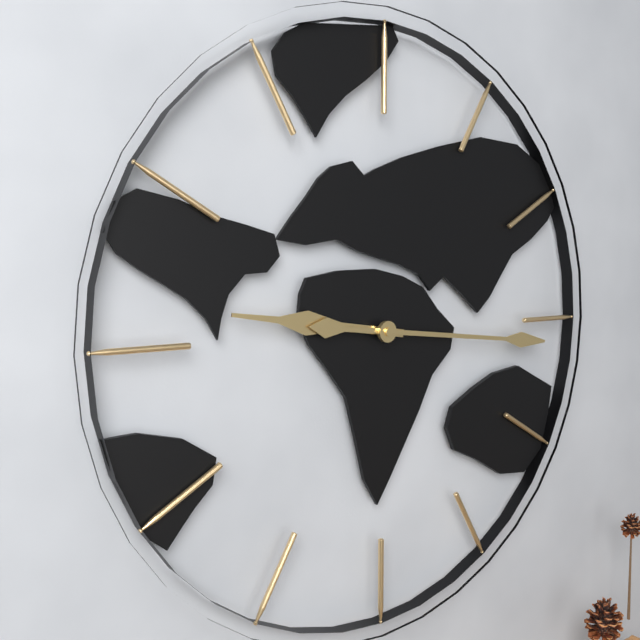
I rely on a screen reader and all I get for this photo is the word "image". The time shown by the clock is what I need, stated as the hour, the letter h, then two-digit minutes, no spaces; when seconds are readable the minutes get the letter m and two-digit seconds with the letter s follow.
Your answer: 9h16
